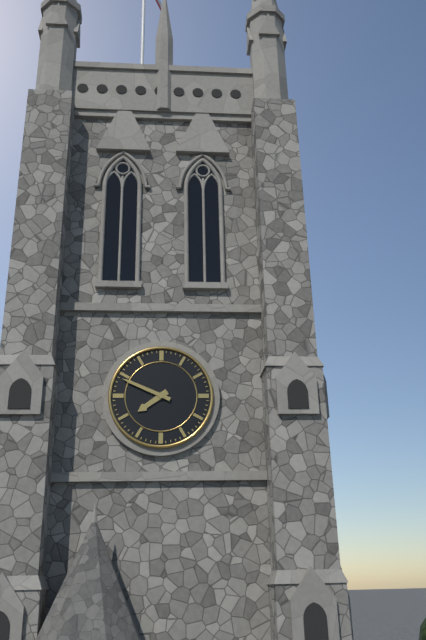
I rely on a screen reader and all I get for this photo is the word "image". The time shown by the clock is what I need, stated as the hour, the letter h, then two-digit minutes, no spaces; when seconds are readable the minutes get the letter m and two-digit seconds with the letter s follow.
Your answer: 7h49
